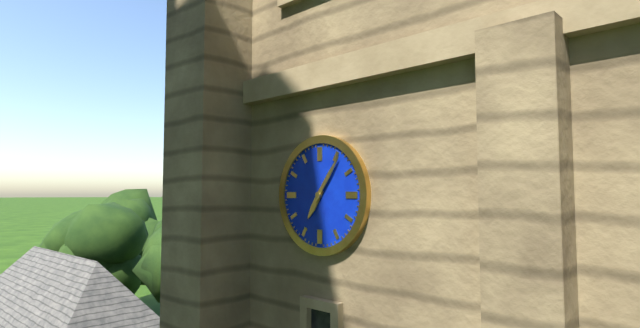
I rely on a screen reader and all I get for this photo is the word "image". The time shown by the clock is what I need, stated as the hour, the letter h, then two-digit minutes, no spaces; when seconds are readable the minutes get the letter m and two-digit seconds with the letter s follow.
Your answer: 7h06
